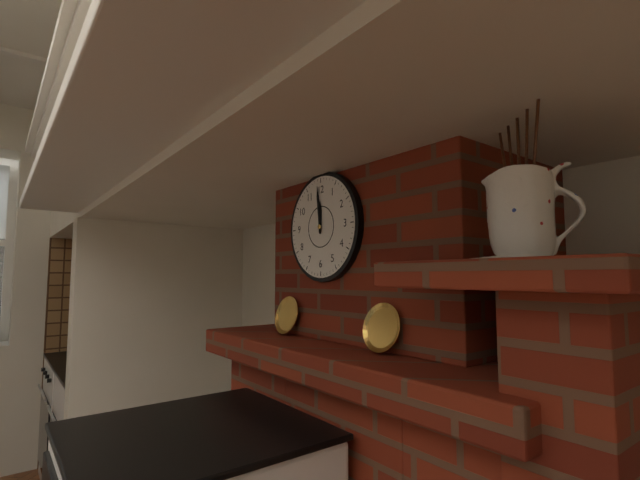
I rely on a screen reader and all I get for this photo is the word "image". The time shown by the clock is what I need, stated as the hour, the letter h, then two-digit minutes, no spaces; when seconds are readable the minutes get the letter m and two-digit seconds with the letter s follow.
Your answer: 11h59
